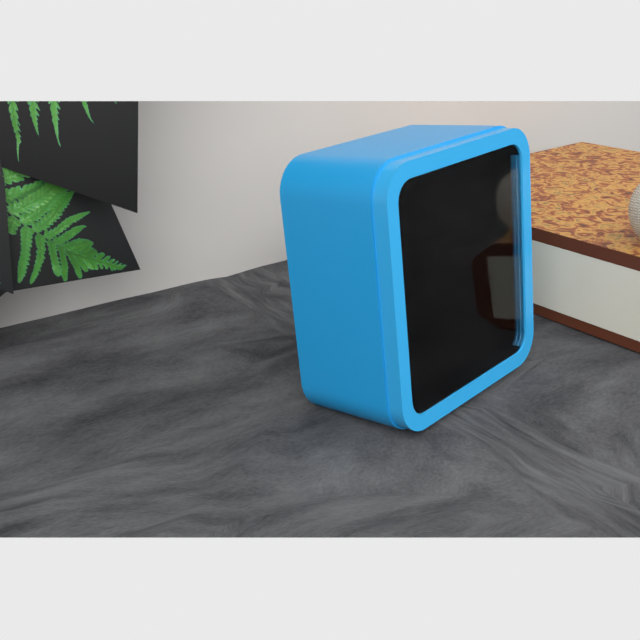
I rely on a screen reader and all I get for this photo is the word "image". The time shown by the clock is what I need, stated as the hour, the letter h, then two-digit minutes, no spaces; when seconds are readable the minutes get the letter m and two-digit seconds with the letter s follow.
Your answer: 5h04
